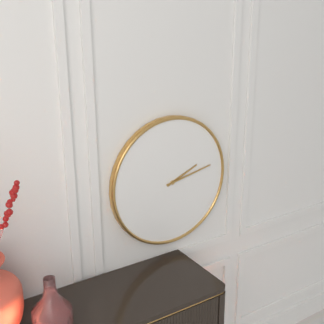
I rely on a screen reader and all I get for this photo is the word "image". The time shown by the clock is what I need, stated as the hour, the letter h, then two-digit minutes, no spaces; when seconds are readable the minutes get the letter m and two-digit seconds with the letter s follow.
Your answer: 2h13
